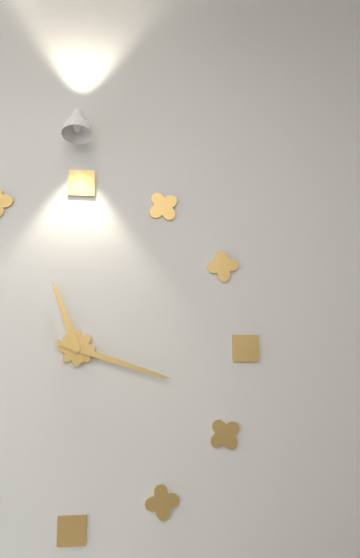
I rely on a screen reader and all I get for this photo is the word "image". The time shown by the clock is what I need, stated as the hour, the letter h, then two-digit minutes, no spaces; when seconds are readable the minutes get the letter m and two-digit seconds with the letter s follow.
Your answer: 11h18
